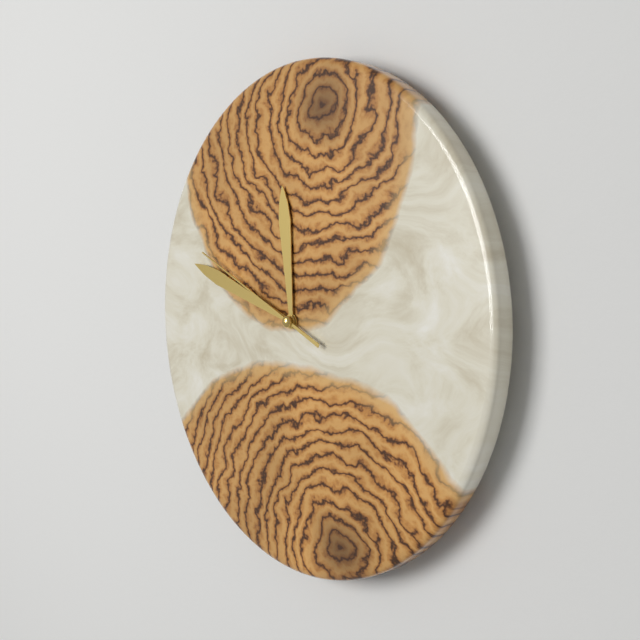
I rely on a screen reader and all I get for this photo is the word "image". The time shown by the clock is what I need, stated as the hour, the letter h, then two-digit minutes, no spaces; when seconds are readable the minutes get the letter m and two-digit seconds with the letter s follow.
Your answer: 11h48m49s
